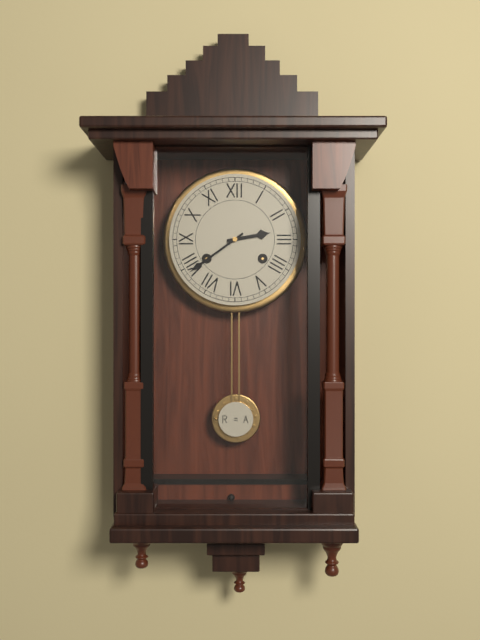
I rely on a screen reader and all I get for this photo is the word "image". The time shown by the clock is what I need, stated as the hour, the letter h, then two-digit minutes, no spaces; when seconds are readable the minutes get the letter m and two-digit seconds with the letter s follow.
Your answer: 2h39
